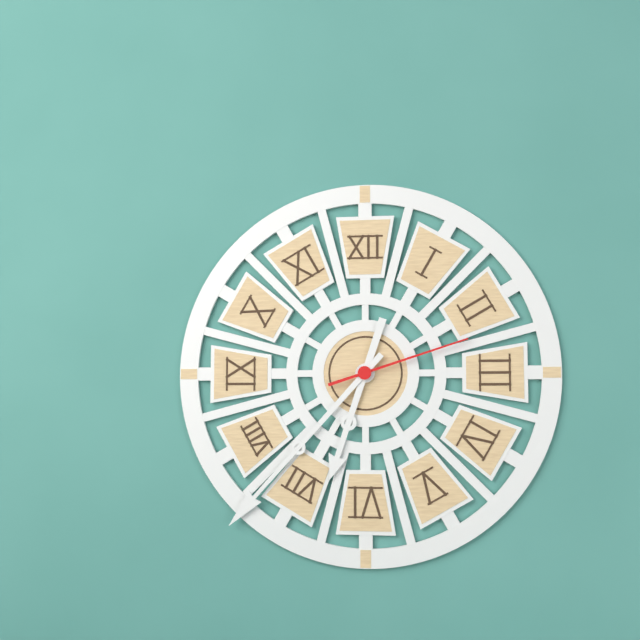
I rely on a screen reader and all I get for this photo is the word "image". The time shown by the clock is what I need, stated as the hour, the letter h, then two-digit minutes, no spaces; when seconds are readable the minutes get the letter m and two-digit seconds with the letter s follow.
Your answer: 6h37m12s
